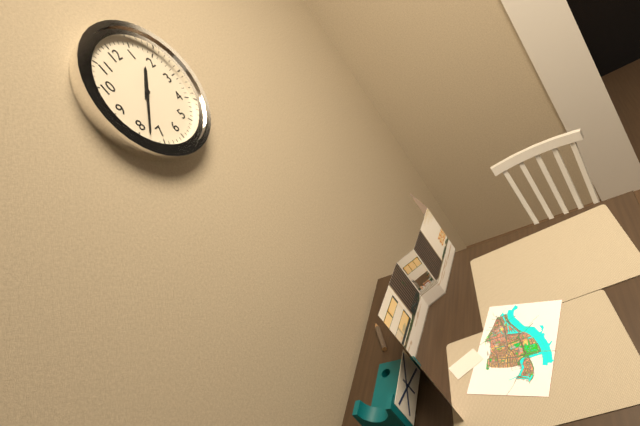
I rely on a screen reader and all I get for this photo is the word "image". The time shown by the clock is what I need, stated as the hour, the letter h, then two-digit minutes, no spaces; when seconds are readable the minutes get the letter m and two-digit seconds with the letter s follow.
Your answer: 1h38
